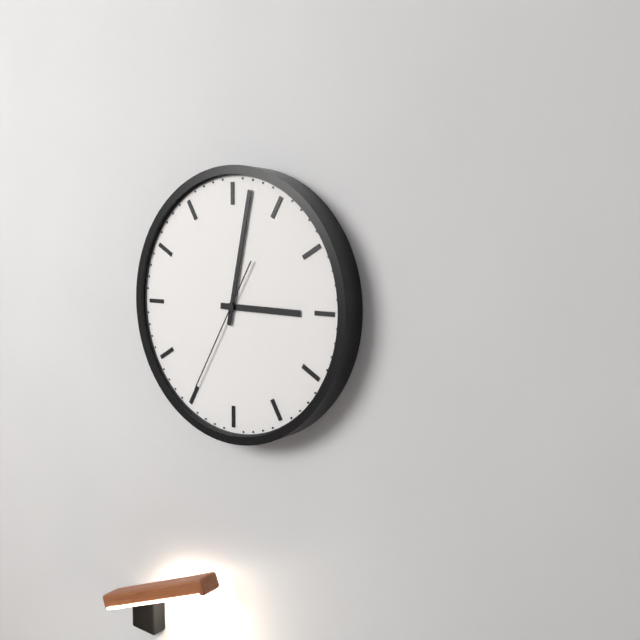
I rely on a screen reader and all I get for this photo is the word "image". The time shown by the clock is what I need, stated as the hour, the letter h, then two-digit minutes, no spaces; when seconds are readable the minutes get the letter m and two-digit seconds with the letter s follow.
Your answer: 3h02m35s
